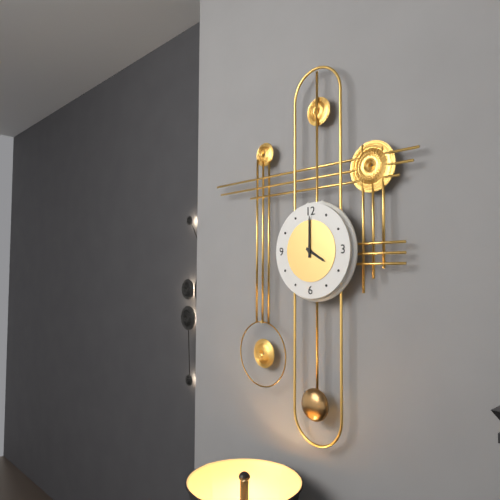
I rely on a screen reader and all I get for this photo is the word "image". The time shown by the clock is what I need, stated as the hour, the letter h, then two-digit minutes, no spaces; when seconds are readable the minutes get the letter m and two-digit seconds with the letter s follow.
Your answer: 4h00
